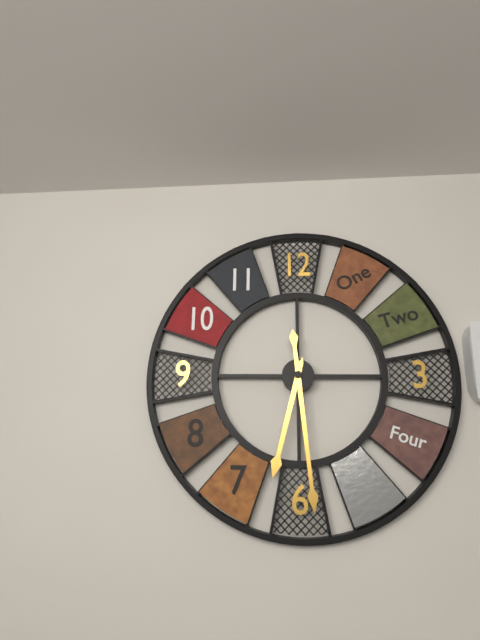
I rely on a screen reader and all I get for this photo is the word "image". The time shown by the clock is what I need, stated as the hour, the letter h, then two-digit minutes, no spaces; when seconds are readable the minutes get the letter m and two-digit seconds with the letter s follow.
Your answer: 6h29
